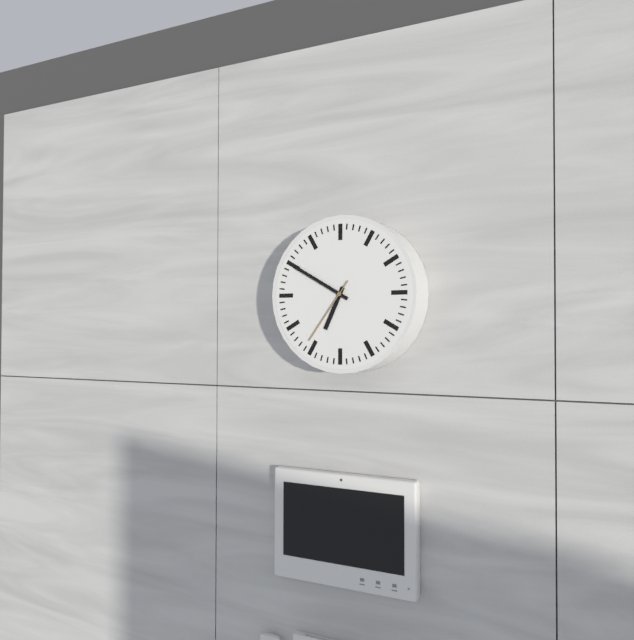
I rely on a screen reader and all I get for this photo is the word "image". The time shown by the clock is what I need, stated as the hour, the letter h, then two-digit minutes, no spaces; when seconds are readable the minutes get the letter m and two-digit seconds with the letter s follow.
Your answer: 6h50m36s
